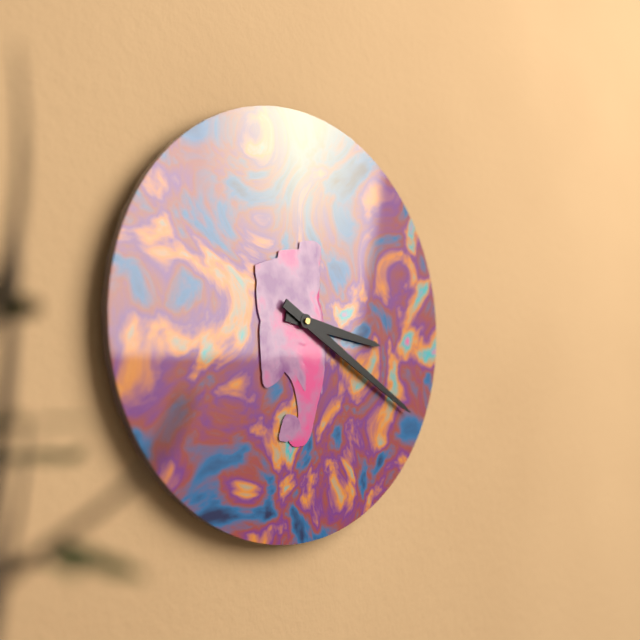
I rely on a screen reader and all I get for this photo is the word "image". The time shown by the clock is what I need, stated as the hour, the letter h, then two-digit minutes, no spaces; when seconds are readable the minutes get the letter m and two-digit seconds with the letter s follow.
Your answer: 3h20
